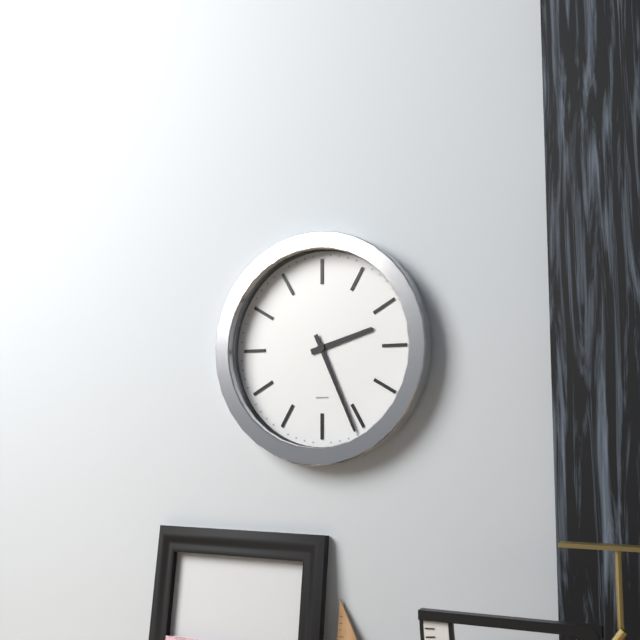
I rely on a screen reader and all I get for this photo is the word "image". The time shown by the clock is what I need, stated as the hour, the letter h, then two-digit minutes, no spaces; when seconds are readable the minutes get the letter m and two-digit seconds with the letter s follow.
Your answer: 2h26
